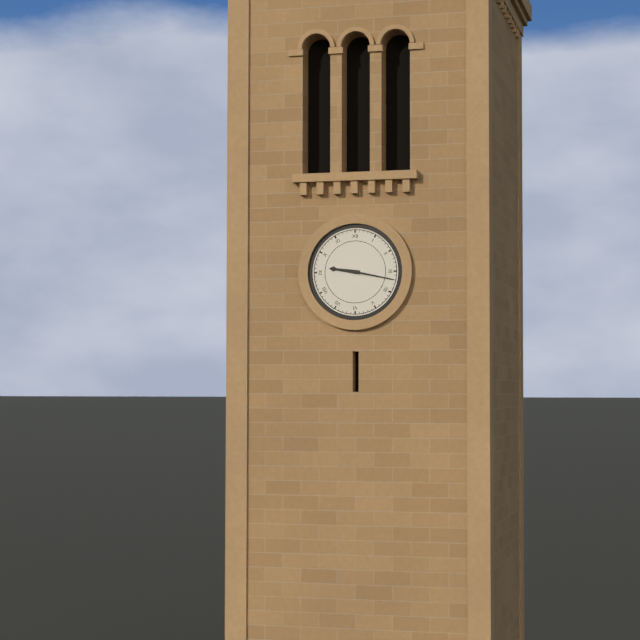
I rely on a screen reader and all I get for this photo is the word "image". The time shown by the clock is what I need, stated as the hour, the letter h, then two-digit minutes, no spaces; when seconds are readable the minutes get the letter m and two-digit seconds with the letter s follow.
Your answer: 9h17
